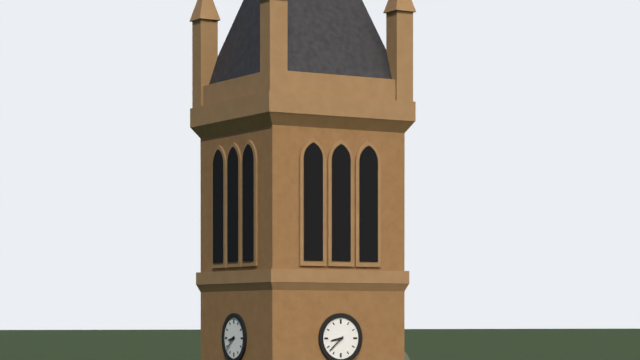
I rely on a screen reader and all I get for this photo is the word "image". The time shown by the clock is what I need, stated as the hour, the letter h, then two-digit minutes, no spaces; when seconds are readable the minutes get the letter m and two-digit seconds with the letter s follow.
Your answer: 8h38
